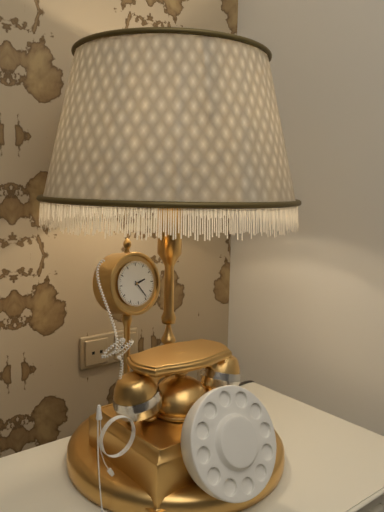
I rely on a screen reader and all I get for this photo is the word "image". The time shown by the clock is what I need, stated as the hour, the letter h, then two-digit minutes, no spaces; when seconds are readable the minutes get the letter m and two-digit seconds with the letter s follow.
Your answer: 2h24
